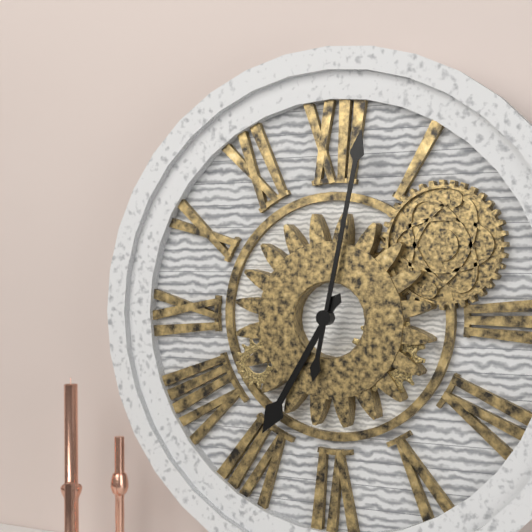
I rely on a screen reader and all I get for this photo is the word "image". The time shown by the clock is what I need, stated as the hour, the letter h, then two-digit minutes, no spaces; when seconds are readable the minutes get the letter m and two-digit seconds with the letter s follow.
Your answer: 7h02
